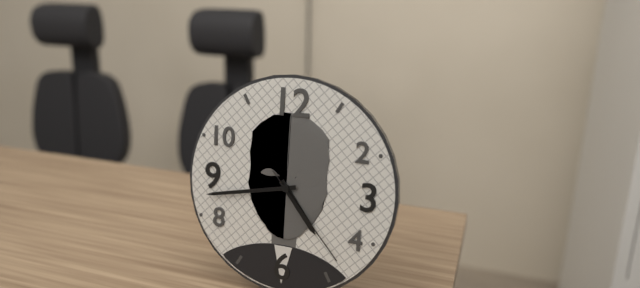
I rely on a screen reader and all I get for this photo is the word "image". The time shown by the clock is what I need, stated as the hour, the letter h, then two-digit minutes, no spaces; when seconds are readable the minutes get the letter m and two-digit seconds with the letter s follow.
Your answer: 4h43m23s
